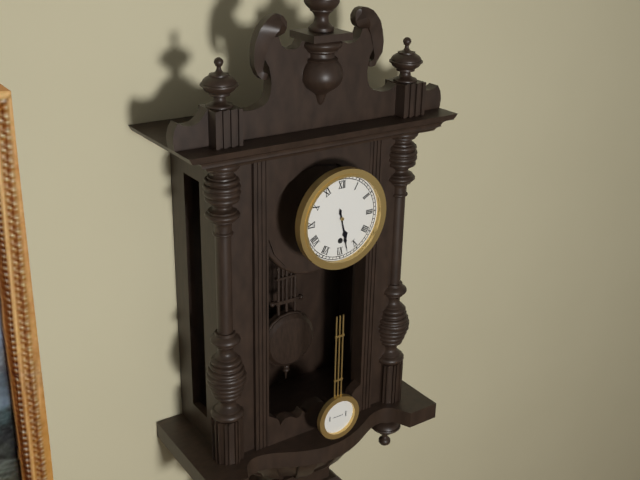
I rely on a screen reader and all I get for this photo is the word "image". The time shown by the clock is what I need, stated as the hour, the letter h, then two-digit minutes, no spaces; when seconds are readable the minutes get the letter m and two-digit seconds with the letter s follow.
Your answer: 5h28
